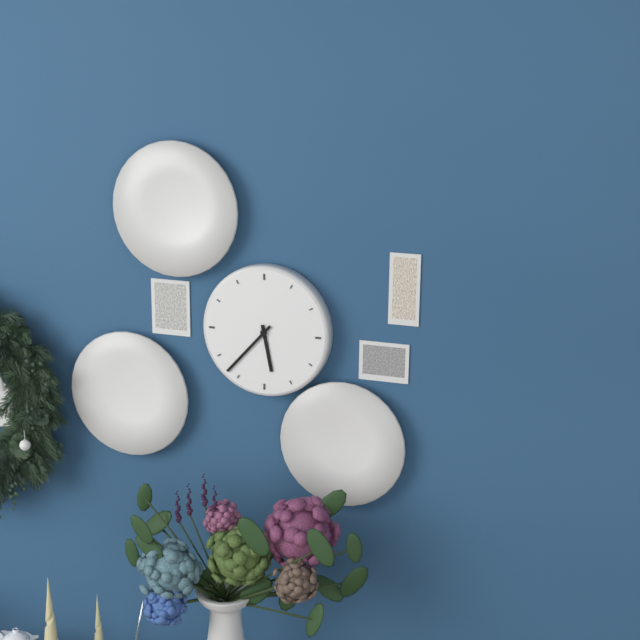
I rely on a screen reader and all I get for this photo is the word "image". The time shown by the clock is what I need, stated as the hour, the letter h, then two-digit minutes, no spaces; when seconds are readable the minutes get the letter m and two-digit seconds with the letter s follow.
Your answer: 5h37
